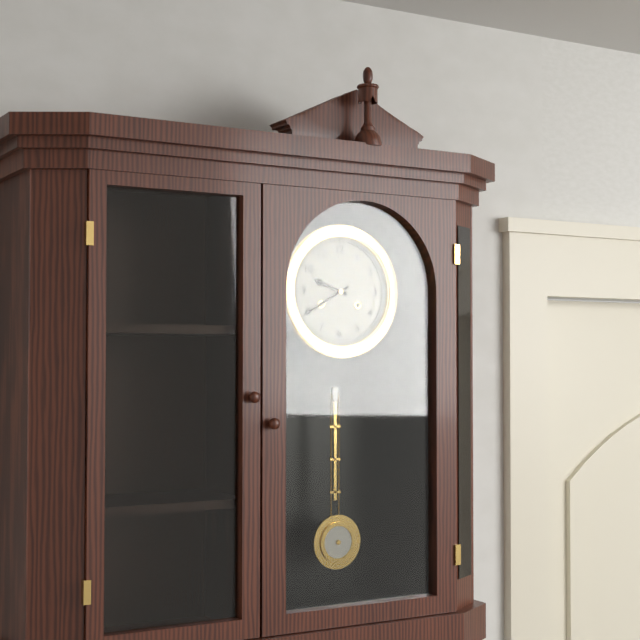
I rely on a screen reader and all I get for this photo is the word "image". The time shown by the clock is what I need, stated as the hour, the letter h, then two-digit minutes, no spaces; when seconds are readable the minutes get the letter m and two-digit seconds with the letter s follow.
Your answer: 9h40
